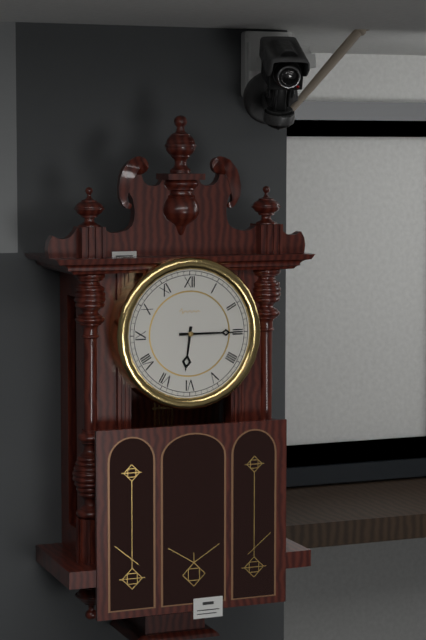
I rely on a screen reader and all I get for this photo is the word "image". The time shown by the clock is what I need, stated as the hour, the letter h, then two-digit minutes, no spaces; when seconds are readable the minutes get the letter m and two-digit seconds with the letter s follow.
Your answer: 6h15
